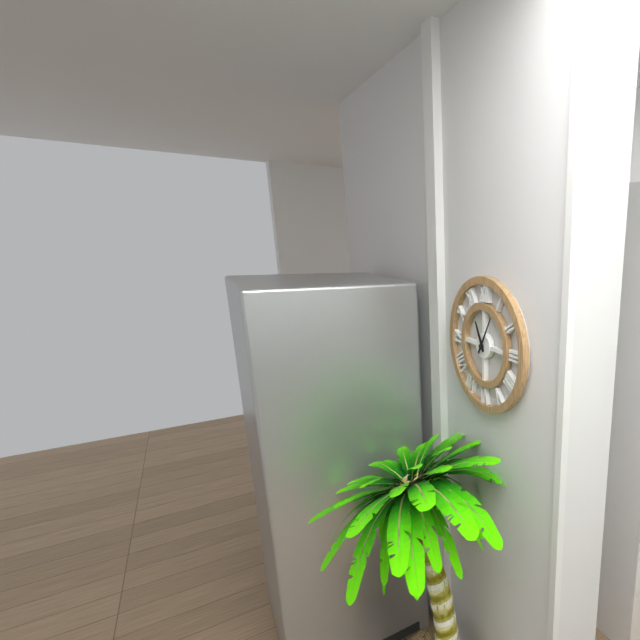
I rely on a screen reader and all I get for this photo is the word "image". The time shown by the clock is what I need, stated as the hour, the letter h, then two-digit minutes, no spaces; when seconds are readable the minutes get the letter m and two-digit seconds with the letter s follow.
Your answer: 11h05
